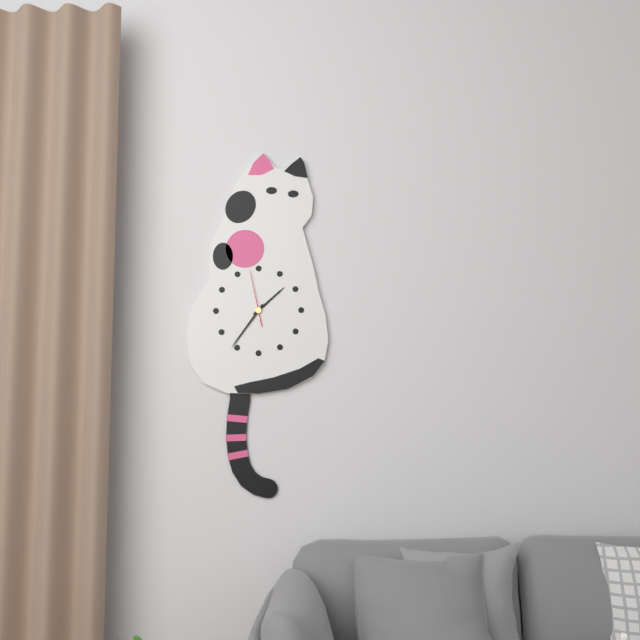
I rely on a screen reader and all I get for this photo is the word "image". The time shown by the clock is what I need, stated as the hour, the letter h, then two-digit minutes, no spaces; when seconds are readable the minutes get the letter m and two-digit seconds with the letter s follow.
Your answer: 1h36m58s
